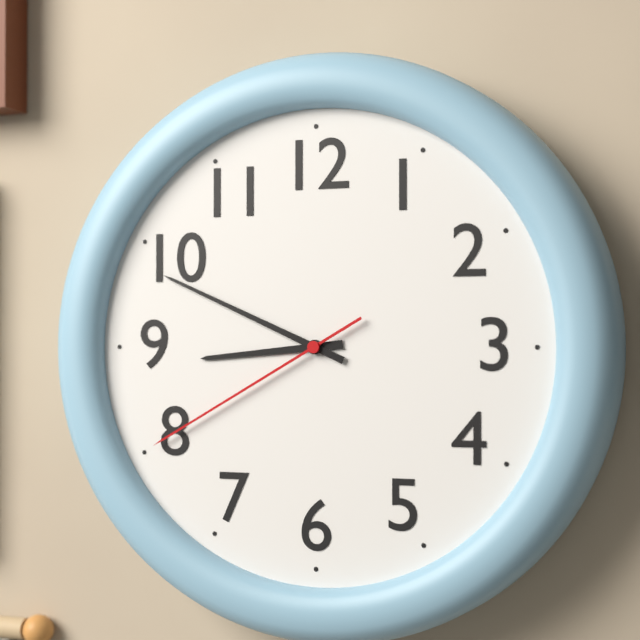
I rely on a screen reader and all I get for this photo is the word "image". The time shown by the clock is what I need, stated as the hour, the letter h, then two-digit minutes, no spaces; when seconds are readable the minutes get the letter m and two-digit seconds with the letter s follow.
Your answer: 8h49m40s
